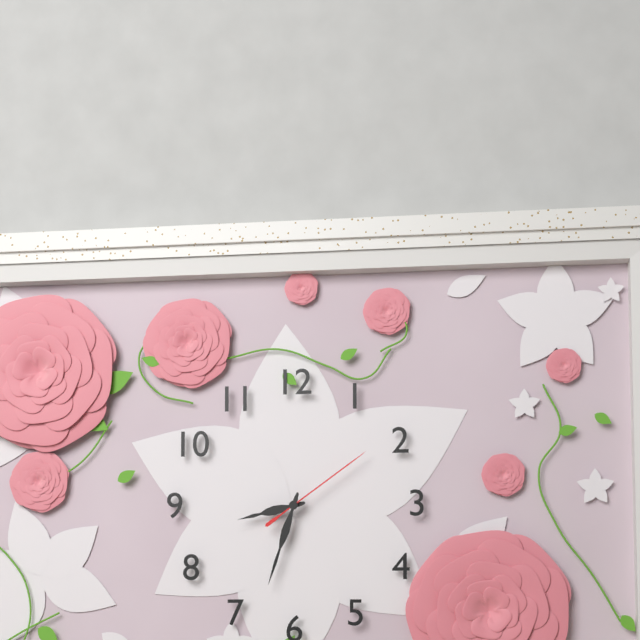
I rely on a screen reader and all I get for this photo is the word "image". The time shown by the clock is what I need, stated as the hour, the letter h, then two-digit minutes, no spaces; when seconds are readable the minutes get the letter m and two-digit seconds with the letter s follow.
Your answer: 8h33m09s
